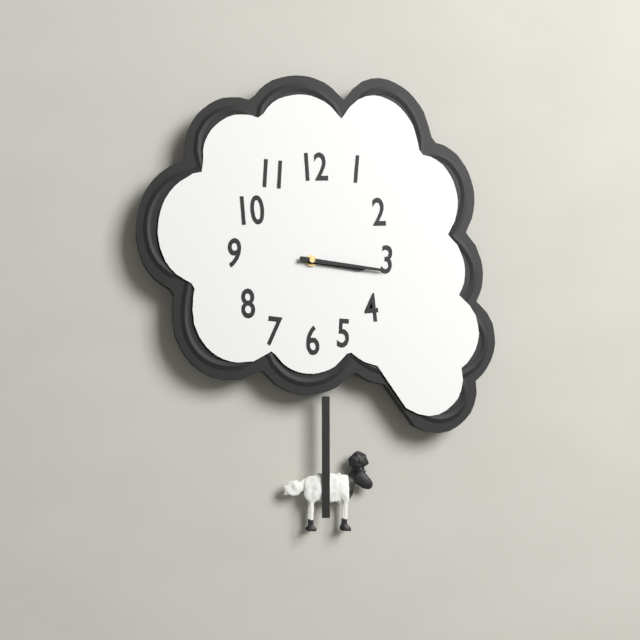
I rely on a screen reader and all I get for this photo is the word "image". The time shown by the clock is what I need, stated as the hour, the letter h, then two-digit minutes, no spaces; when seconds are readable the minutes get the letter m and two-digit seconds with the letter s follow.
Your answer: 3h16
